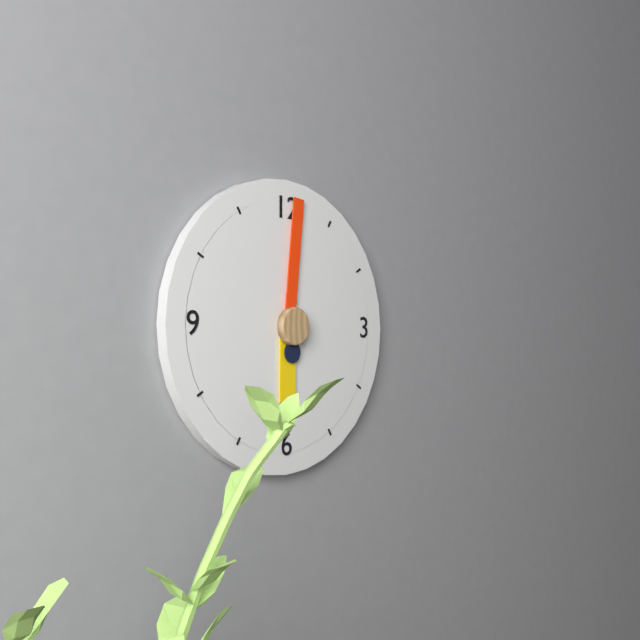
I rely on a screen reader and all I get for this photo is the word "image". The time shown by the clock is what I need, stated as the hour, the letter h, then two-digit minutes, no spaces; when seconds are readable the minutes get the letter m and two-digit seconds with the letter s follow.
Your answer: 6h01
